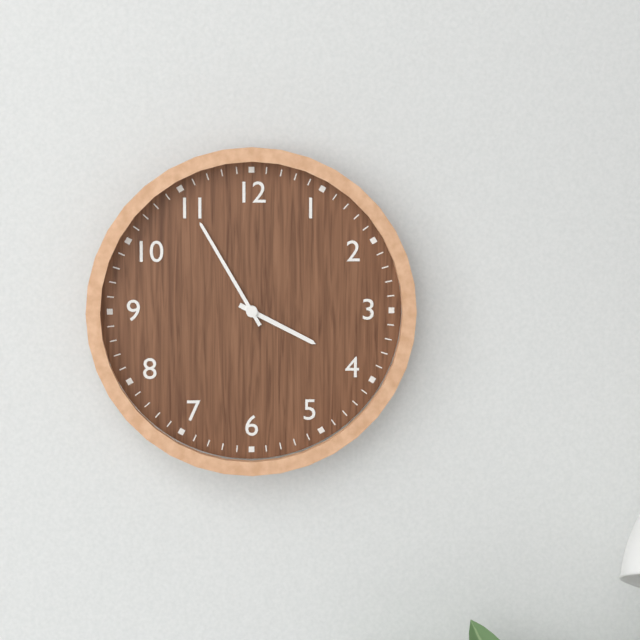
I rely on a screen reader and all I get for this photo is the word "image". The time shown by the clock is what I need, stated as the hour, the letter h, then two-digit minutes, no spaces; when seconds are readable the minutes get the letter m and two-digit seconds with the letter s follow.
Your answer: 3h55
